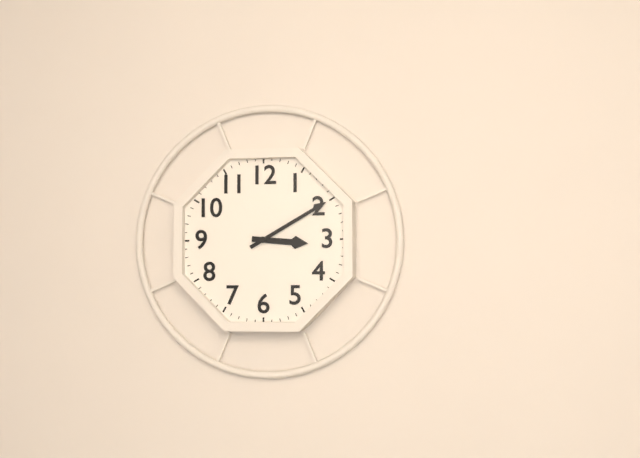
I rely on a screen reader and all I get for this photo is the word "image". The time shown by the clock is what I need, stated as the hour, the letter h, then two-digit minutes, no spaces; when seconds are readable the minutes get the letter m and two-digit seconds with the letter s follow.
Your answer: 3h10
